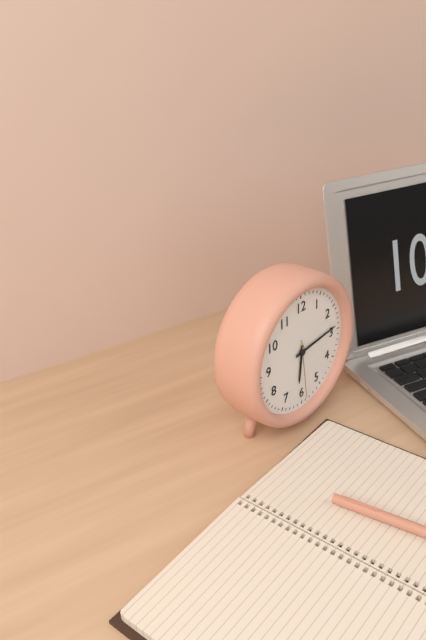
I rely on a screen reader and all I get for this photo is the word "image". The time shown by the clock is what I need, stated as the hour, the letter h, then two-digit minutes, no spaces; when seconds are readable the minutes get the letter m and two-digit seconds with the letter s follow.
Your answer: 6h14m29s
